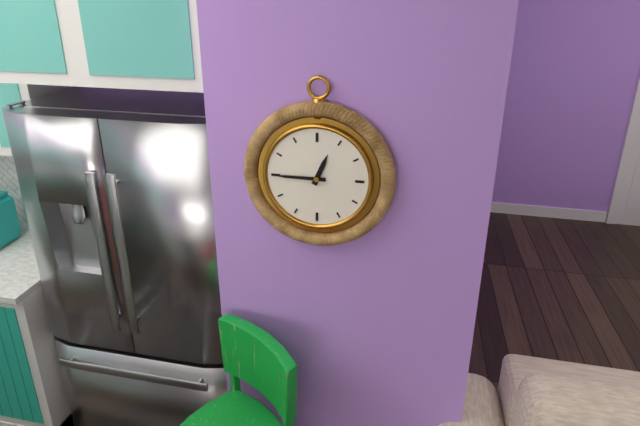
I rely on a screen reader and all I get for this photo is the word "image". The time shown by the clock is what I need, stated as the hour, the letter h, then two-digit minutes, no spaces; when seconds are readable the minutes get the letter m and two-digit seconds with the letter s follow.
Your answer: 12h45
